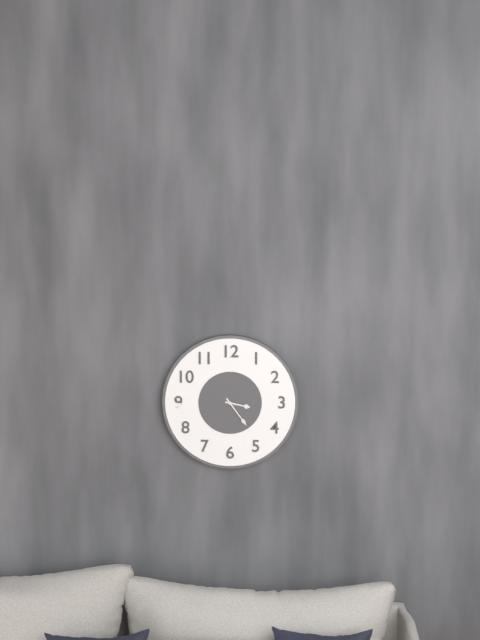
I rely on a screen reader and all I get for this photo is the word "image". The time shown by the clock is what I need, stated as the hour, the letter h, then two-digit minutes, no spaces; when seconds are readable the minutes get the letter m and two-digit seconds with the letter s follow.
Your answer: 3h24
